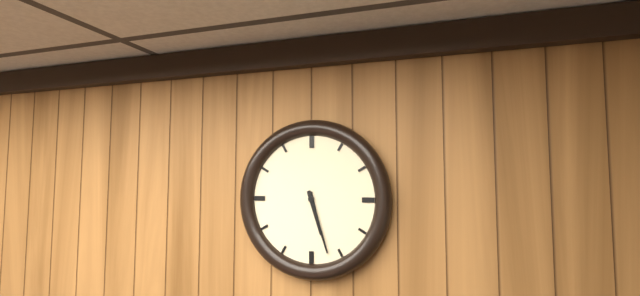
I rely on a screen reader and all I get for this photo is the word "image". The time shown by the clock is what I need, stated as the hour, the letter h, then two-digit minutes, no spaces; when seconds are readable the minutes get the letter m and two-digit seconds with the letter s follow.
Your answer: 5h27
